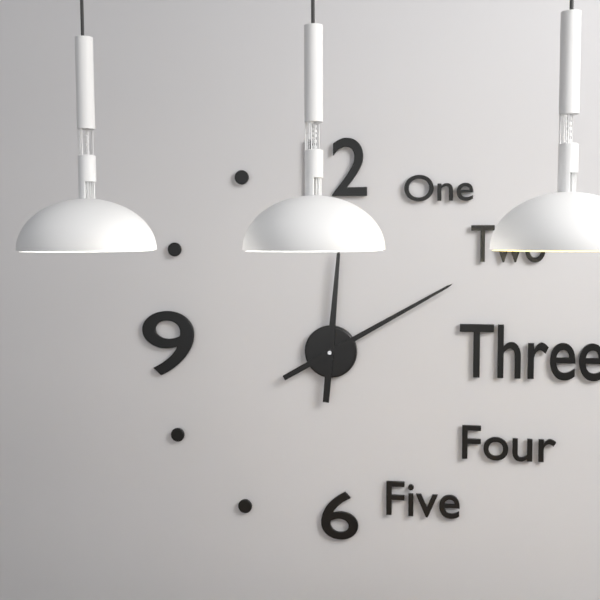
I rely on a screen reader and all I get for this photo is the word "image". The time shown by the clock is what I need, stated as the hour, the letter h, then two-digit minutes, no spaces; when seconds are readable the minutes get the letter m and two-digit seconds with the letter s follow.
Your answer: 12h10
